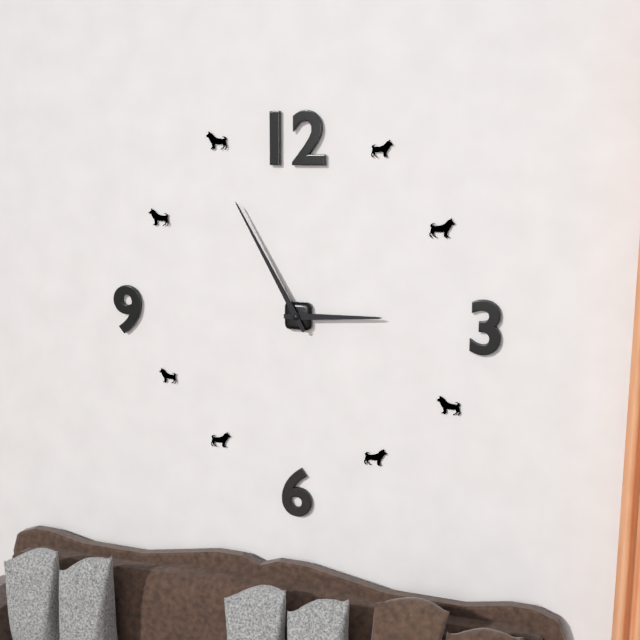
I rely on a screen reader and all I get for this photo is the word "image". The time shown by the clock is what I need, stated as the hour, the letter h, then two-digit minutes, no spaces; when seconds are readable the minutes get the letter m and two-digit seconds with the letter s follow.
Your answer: 2h55
